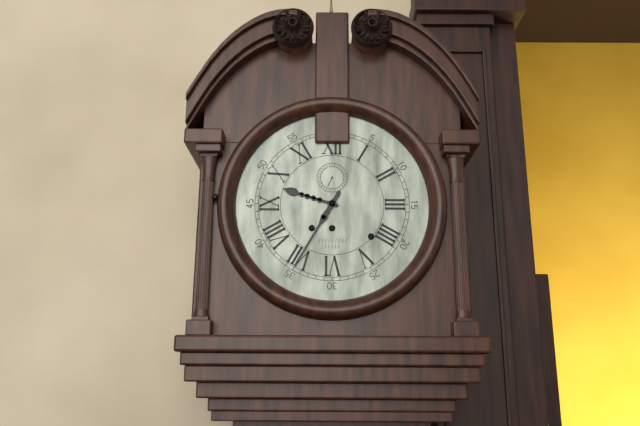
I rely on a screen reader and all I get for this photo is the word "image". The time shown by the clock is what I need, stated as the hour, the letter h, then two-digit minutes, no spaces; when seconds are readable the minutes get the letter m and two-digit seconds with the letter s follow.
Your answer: 9h35
